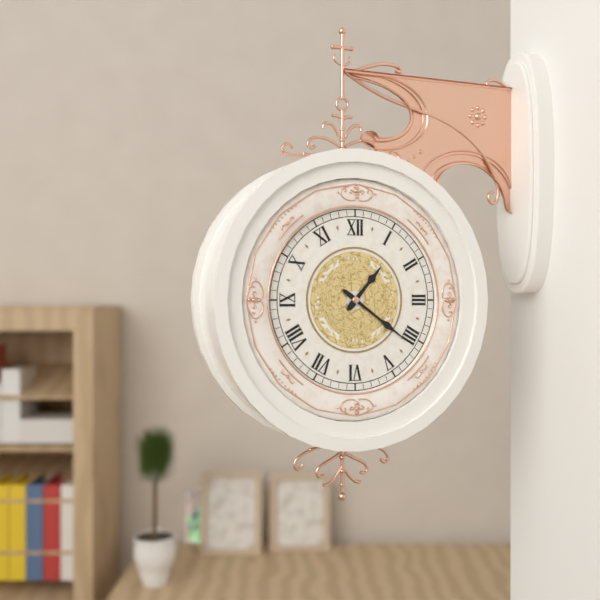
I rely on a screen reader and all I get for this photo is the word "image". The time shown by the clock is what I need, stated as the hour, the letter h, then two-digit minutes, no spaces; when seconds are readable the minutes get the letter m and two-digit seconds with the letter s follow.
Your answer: 1h21
